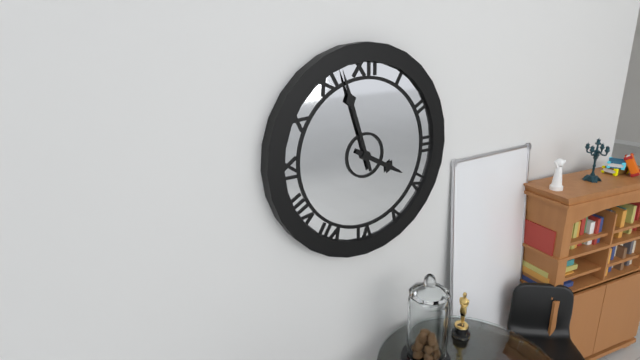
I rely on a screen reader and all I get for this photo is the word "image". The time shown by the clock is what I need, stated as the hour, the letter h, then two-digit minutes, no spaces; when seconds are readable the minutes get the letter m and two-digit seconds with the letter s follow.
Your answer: 3h57
